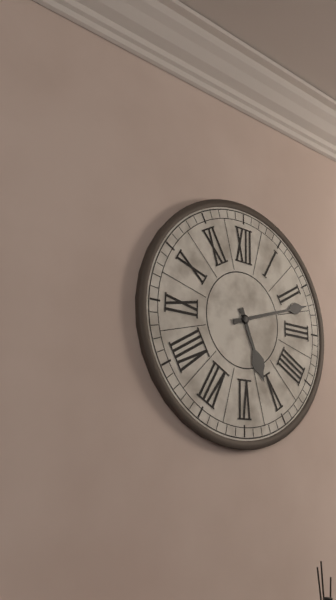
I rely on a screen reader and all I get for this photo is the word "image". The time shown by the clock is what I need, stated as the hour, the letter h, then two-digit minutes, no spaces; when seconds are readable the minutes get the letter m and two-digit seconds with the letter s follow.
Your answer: 5h12
